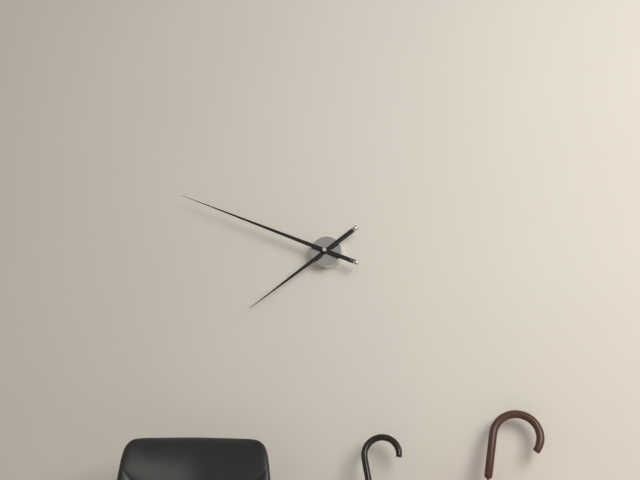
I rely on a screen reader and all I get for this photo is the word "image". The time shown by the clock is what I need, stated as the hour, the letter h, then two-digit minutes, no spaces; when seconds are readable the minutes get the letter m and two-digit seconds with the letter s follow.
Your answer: 7h49
